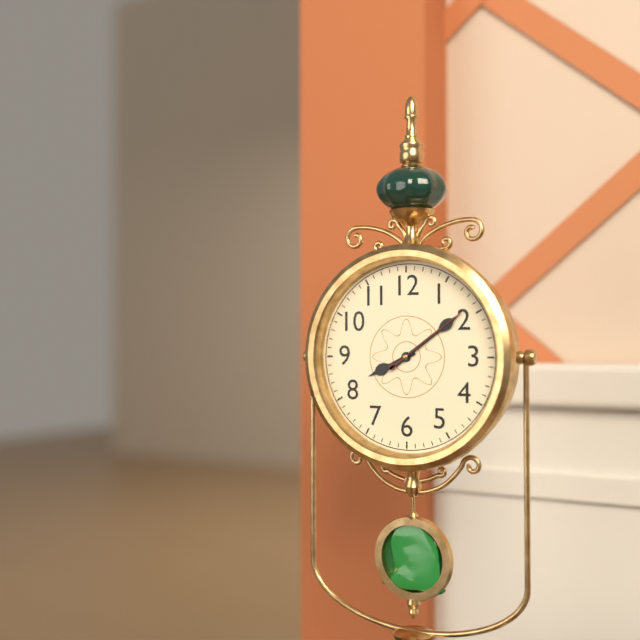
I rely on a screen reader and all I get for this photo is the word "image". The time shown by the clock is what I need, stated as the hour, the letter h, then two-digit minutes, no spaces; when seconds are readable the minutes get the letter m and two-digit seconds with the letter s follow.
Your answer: 8h09m09s
